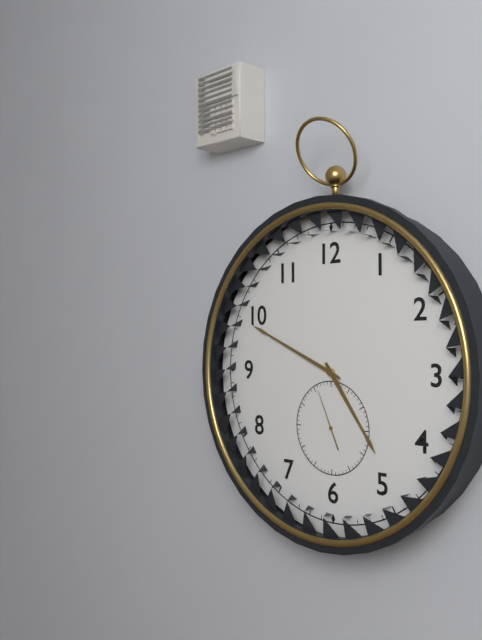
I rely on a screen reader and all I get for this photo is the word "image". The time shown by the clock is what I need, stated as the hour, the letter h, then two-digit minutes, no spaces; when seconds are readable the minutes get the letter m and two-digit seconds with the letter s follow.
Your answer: 4h49m56s
